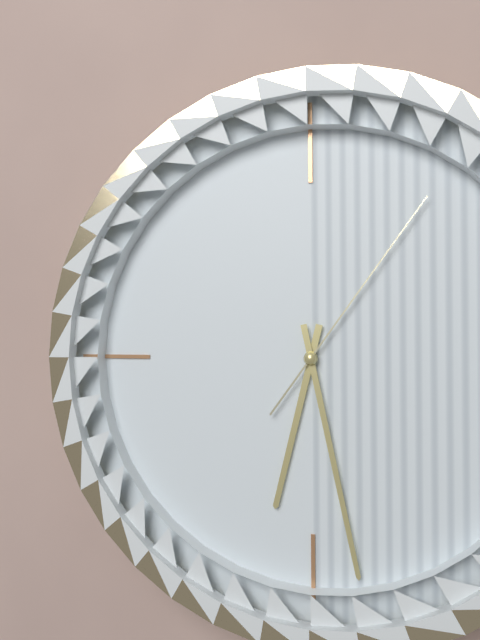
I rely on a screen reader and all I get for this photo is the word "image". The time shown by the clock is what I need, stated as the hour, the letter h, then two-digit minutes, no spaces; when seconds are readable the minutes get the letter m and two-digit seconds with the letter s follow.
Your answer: 6h28m06s
